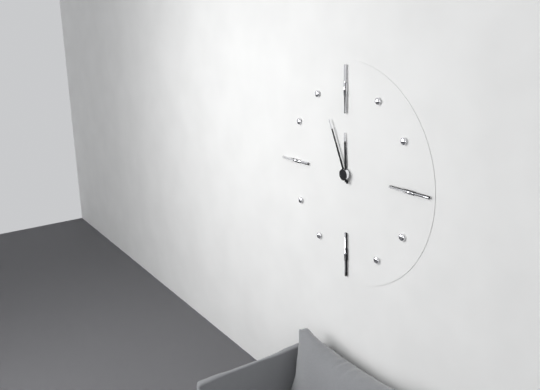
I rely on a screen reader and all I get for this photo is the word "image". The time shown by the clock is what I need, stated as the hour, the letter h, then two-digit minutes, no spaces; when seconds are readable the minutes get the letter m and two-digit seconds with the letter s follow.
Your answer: 11h56
